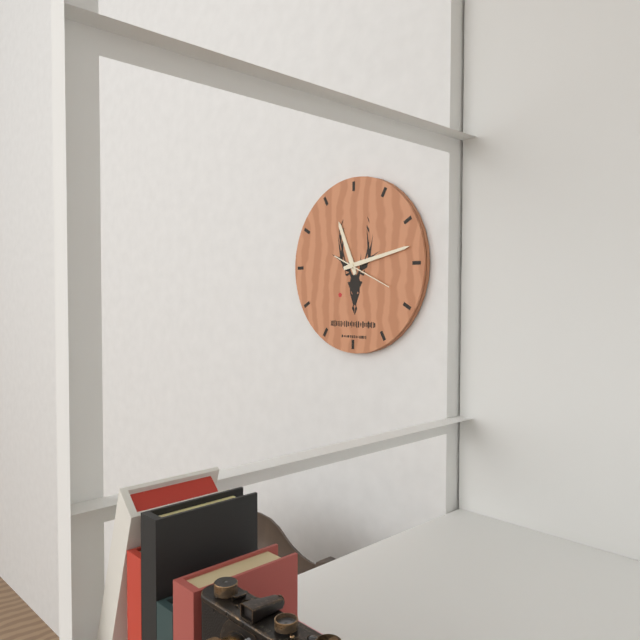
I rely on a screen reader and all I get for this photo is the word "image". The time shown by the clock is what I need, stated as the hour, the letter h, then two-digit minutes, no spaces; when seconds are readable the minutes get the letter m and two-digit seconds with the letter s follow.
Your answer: 11h13
